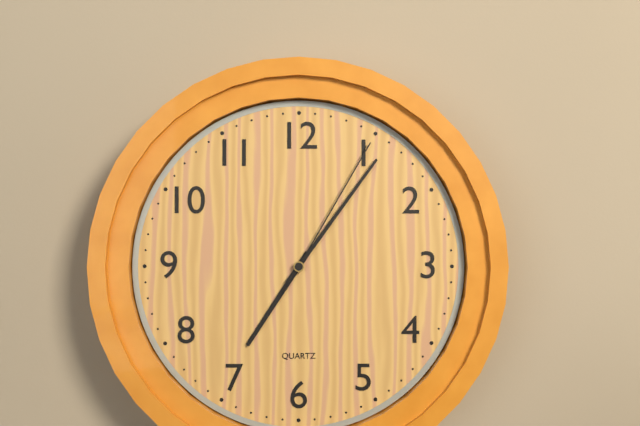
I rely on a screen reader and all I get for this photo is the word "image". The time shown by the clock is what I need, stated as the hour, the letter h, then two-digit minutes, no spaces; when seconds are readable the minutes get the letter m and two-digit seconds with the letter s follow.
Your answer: 7h06m05s
